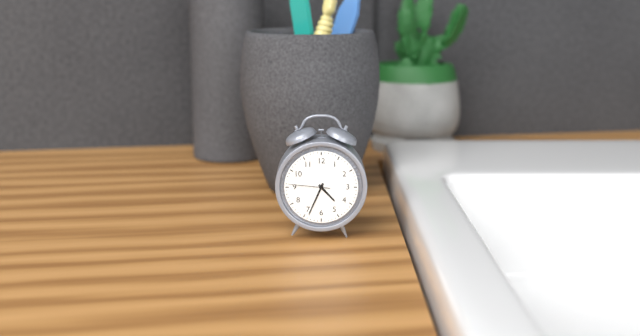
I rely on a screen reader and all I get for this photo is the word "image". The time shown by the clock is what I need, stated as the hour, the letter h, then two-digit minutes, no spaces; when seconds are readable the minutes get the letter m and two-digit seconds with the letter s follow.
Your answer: 4h34
